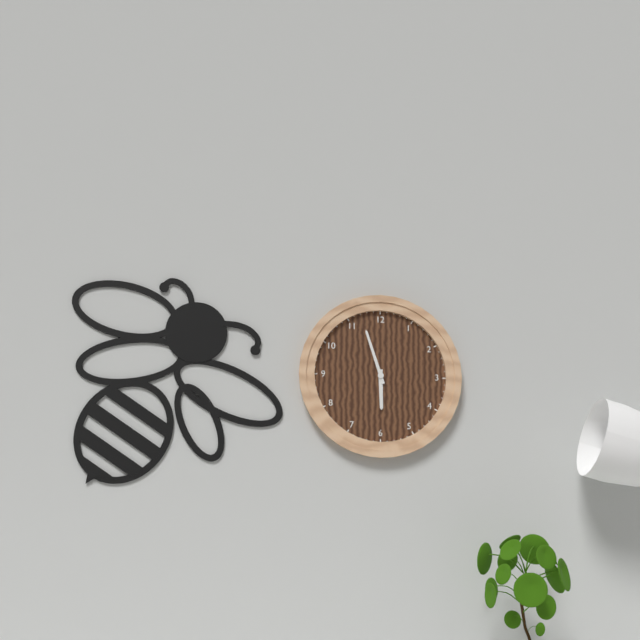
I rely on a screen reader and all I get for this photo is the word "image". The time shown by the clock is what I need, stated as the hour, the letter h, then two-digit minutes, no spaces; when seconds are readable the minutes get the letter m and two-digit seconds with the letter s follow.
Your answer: 5h57
